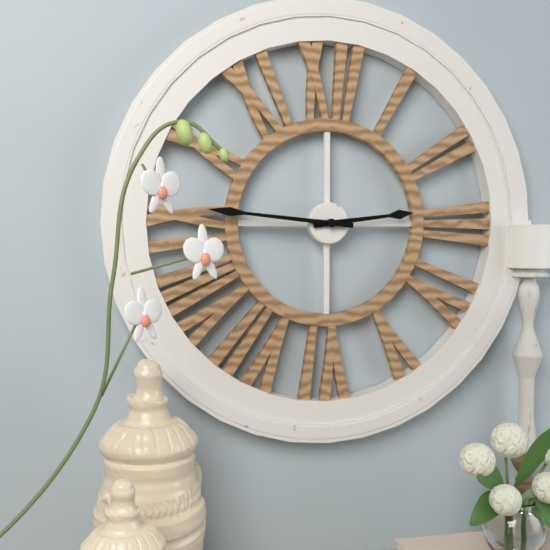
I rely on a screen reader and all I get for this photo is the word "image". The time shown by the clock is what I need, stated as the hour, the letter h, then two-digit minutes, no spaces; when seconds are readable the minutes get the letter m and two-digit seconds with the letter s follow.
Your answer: 2h46
